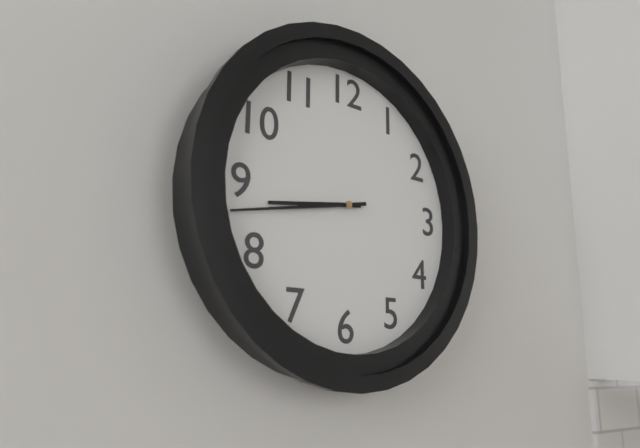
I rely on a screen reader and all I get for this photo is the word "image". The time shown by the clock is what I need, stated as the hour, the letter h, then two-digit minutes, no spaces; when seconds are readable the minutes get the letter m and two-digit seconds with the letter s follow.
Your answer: 8h43
